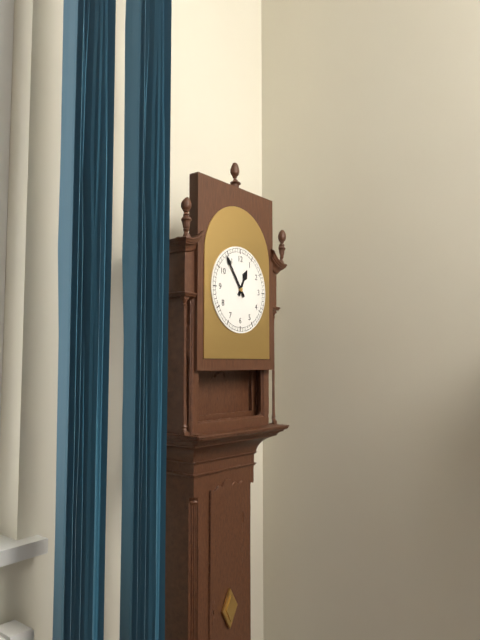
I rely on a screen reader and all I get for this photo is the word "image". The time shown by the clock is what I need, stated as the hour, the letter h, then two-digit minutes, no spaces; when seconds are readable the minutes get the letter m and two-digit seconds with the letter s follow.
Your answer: 12h54
